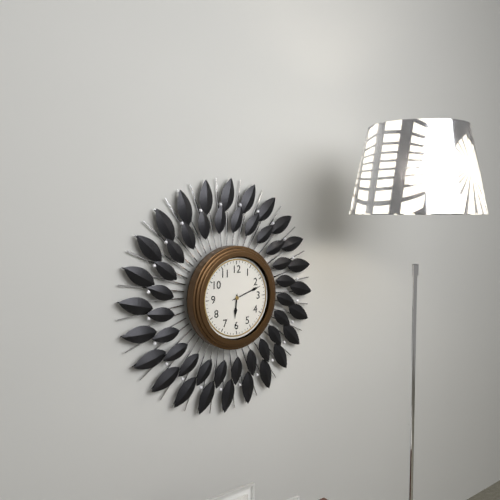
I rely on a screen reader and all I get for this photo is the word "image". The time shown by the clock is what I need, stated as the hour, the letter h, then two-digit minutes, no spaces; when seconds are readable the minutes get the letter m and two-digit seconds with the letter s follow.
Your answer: 6h12
